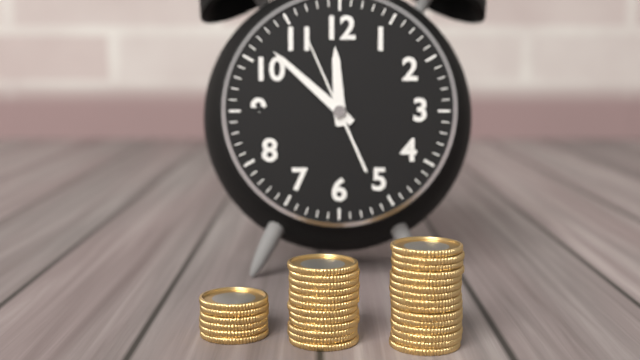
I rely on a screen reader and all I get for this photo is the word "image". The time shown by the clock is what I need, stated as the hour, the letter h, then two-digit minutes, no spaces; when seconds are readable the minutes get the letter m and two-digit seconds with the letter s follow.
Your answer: 11h52m56s
